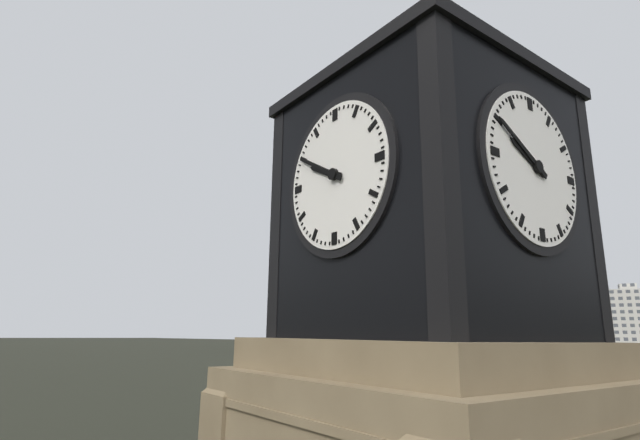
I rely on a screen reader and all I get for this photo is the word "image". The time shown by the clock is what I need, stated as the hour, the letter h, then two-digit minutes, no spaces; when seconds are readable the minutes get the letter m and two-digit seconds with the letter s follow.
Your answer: 9h50
